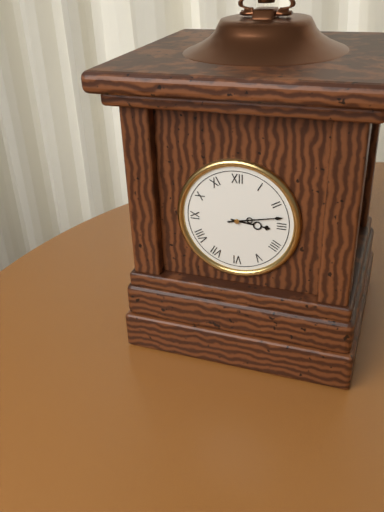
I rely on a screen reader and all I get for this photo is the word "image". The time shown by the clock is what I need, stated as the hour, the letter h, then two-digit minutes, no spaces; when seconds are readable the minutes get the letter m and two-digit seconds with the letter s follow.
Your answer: 3h13
